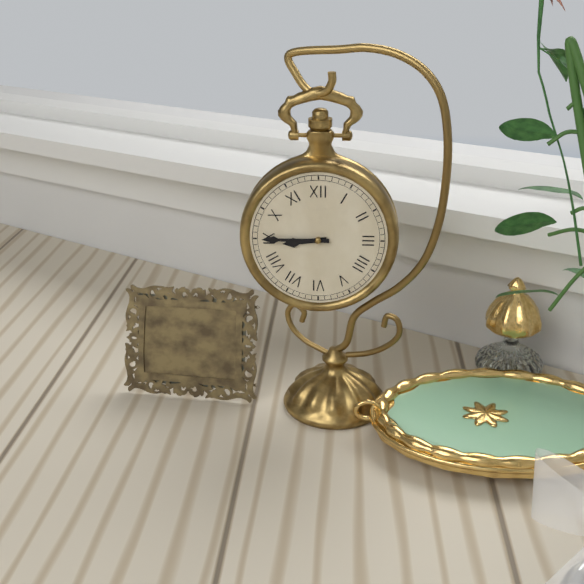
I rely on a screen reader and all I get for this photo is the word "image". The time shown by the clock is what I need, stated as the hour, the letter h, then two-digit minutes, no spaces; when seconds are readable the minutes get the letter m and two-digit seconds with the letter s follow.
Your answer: 8h45
